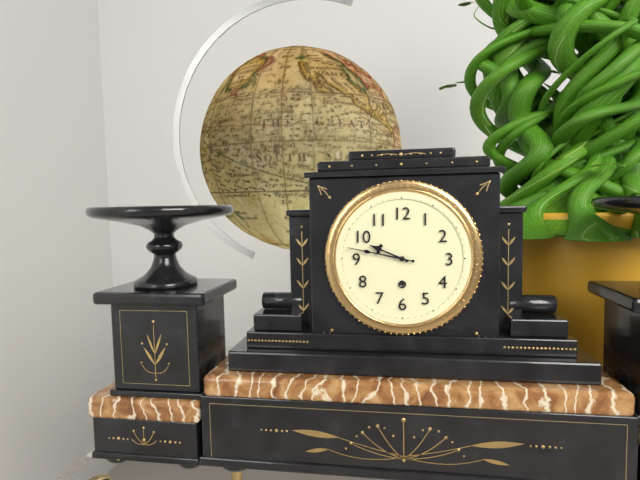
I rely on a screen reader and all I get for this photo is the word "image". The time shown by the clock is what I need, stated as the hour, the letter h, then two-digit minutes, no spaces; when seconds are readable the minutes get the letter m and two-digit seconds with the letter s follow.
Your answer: 9h47
